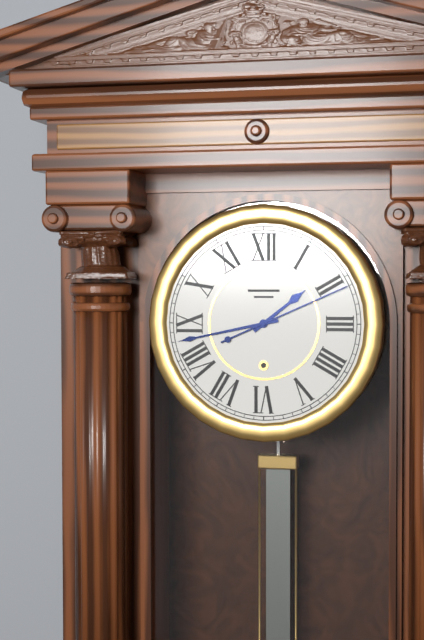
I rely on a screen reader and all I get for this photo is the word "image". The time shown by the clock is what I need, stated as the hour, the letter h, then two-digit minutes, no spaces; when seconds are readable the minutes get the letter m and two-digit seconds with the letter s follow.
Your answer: 1h43m11s
